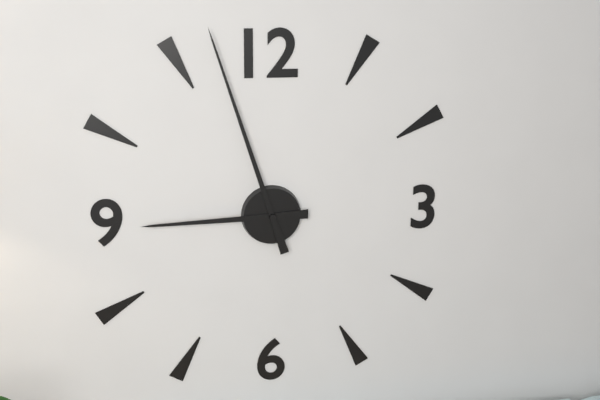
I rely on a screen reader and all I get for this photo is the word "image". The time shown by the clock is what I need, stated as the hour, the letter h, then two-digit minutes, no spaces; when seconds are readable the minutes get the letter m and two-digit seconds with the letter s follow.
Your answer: 8h57
